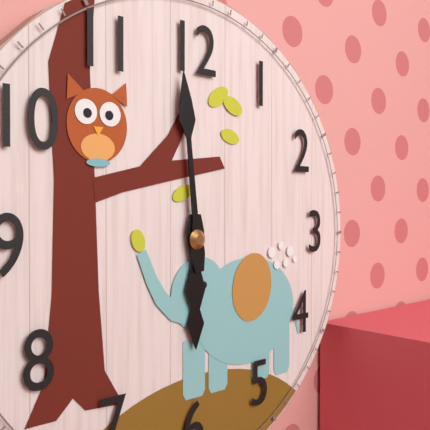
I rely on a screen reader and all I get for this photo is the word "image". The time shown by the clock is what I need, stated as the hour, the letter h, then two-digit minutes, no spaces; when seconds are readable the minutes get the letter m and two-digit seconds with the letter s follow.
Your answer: 5h59
